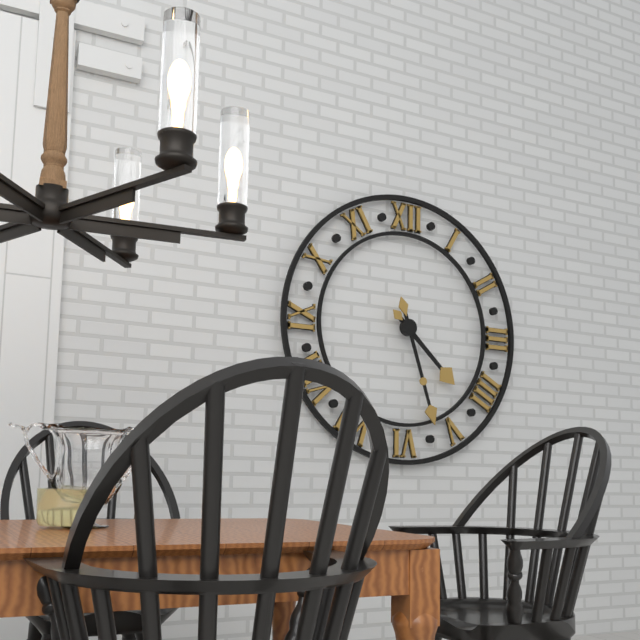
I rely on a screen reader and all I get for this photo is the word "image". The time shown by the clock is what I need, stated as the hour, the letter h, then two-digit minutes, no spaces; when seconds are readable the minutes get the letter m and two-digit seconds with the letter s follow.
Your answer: 4h27
